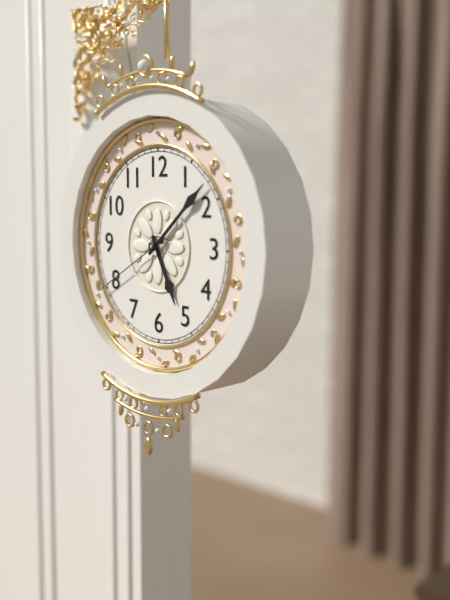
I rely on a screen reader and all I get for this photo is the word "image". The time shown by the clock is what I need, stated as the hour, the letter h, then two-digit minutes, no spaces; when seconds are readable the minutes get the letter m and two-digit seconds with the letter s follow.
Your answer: 5h08m40s
